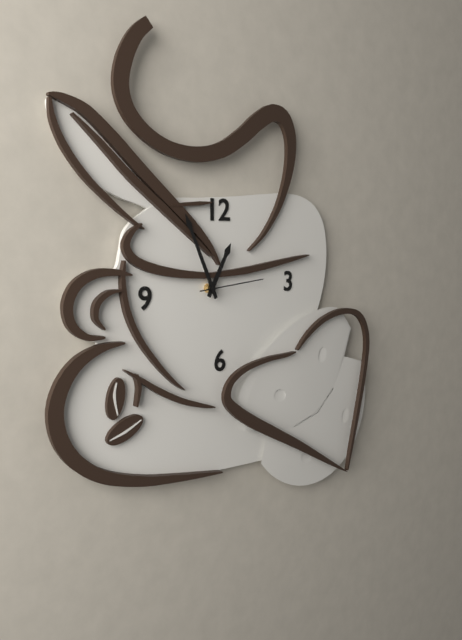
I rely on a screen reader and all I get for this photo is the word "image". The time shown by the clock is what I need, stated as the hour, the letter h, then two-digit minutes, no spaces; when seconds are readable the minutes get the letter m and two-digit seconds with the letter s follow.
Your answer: 12h56m14s
